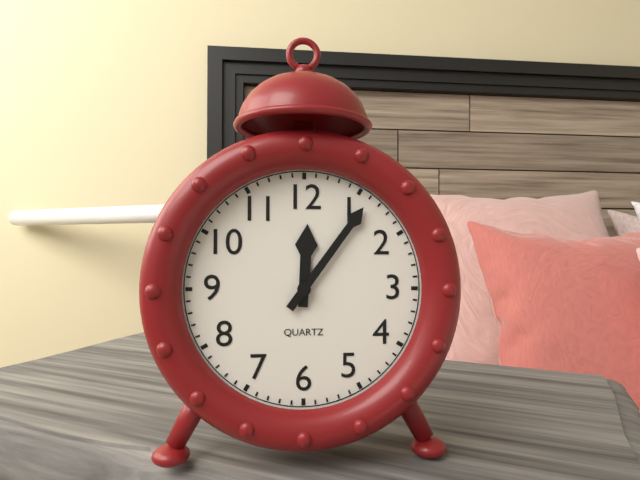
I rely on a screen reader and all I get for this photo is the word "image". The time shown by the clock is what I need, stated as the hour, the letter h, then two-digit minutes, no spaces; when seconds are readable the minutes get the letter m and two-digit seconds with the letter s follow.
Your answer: 12h06
